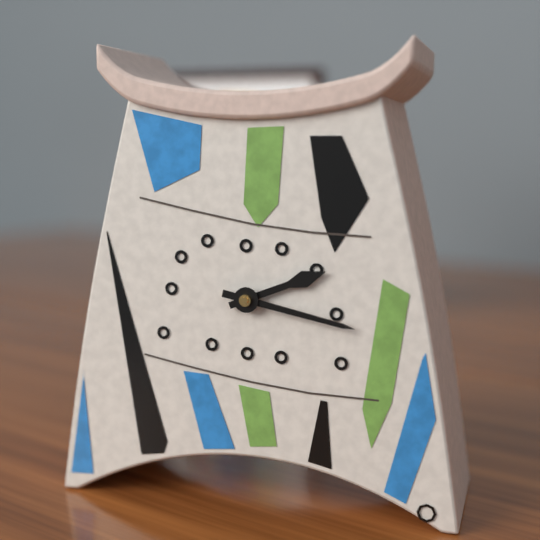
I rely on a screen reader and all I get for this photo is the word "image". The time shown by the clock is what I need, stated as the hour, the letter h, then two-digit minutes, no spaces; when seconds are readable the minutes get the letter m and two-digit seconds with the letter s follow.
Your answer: 2h17
